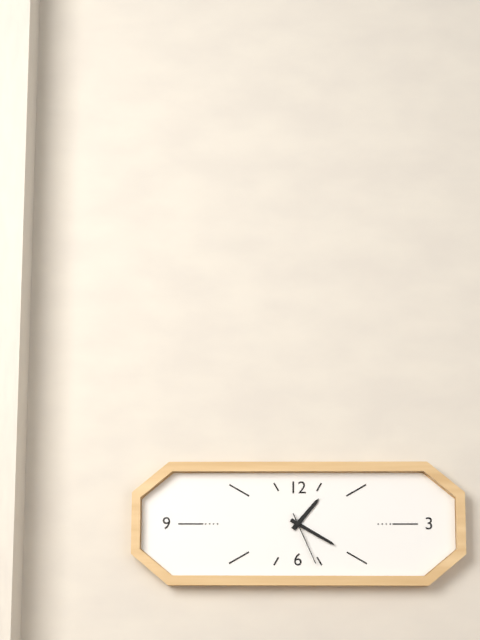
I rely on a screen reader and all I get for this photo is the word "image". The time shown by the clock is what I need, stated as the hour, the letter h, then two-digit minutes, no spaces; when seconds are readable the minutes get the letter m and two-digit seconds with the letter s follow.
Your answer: 1h20m26s
